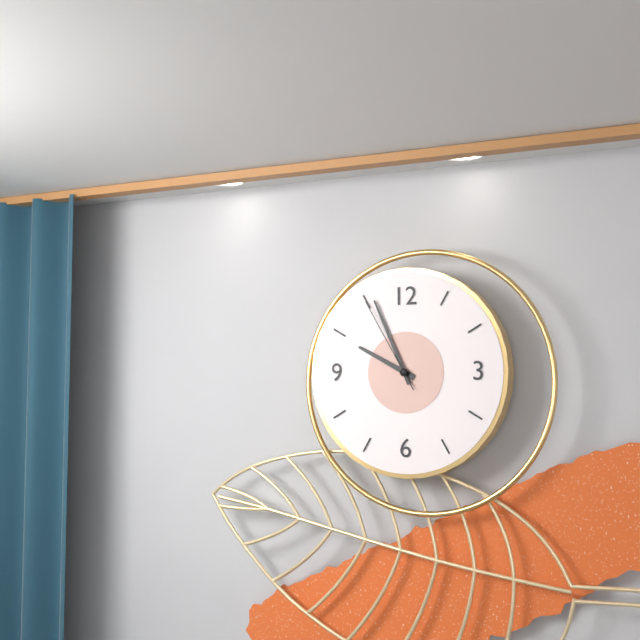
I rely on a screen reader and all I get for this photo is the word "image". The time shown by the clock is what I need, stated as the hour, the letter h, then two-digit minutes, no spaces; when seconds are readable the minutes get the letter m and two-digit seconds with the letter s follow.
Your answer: 9h56m55s
